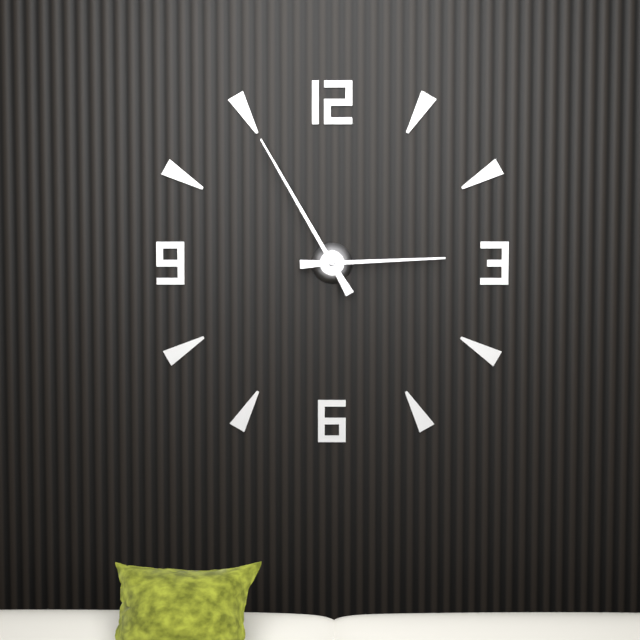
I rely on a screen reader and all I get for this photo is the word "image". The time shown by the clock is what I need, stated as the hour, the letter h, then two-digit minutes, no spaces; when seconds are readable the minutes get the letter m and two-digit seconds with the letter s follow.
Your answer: 2h55
